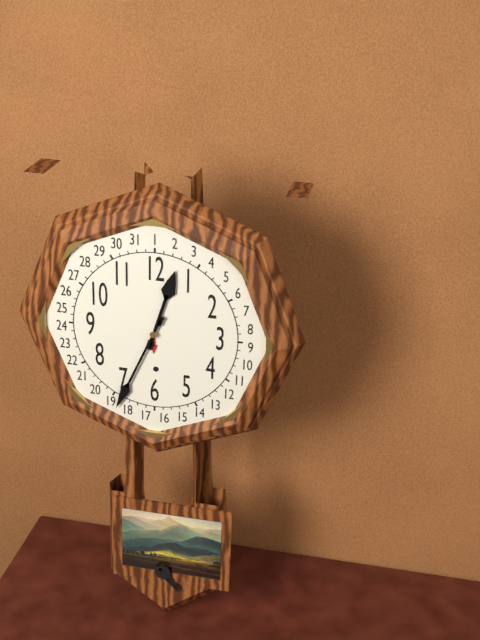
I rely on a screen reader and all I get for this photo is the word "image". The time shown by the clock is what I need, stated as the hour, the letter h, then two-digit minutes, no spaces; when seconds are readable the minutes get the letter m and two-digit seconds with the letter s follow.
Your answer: 12h34
